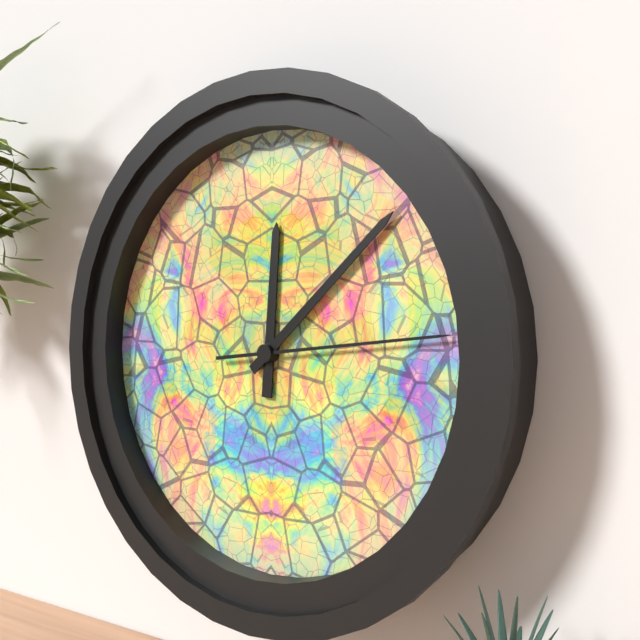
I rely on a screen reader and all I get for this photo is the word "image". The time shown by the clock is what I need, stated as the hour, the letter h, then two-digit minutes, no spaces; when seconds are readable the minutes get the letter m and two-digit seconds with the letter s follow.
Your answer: 12h08m14s
